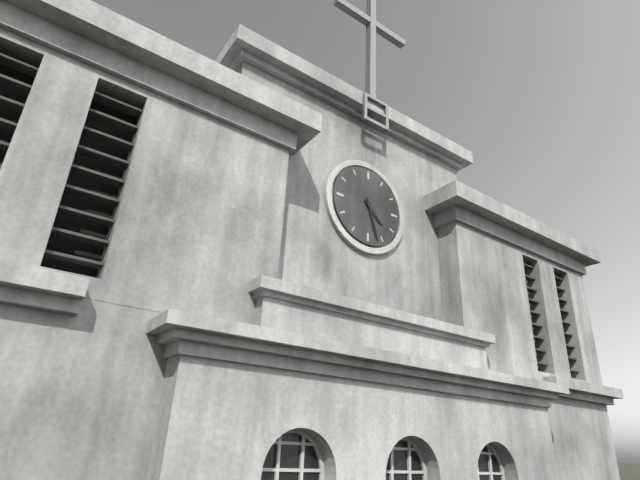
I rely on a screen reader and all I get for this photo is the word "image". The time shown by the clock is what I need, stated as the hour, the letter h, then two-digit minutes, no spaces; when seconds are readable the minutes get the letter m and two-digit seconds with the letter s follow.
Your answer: 4h27
